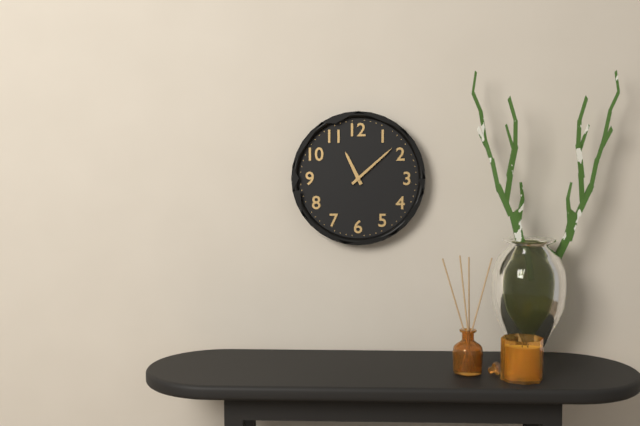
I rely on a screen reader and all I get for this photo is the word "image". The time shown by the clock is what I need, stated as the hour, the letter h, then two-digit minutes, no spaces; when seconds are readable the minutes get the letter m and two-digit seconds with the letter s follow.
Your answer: 11h08
